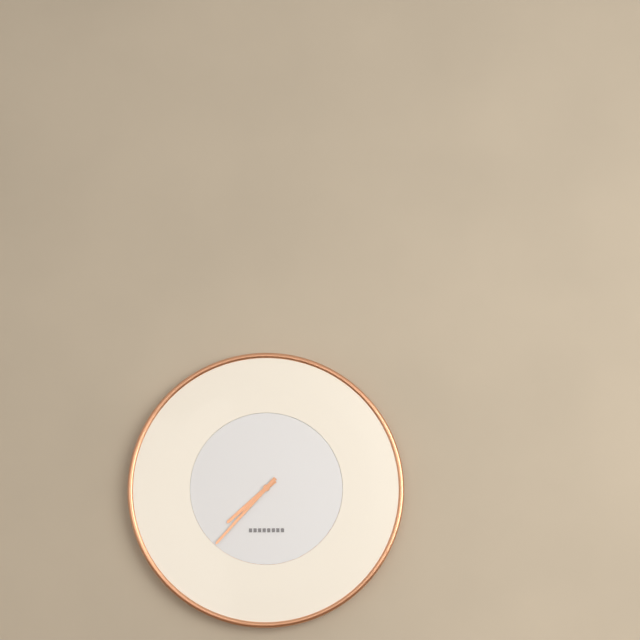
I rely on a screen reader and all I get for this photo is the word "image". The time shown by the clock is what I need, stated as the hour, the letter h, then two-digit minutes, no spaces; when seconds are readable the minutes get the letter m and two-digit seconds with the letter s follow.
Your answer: 7h37
